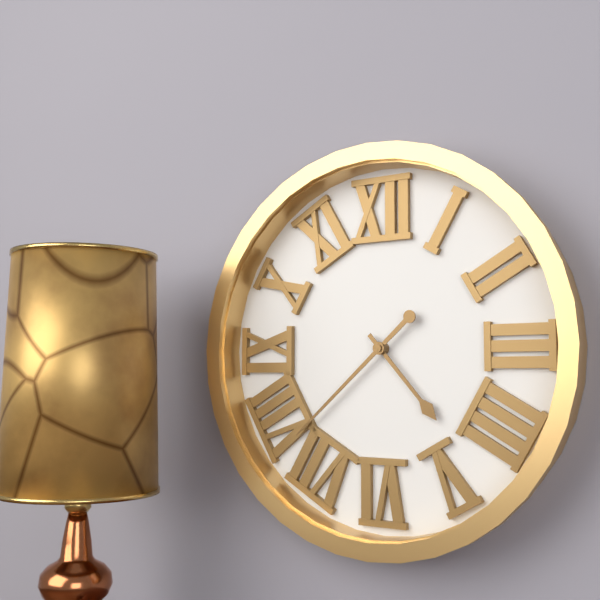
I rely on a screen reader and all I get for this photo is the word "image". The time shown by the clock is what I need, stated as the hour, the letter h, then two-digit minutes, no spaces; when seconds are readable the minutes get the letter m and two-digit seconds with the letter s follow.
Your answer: 4h38
